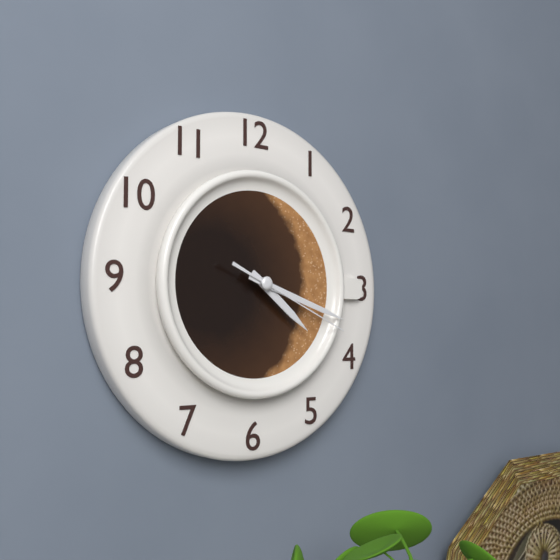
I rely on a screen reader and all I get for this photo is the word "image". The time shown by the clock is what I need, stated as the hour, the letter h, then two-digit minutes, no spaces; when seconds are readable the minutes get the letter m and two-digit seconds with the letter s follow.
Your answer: 4h18m19s
